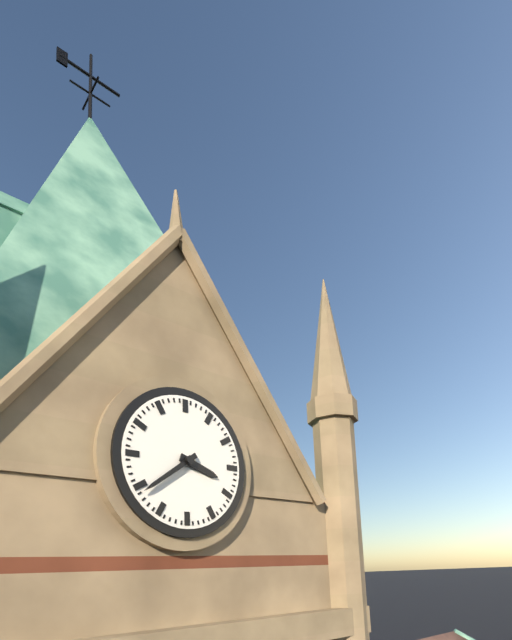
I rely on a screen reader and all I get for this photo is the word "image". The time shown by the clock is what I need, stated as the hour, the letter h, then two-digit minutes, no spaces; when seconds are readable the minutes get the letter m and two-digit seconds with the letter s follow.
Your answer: 3h39
